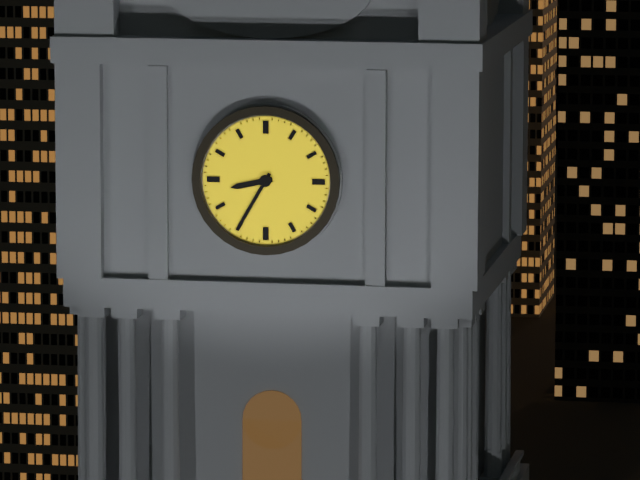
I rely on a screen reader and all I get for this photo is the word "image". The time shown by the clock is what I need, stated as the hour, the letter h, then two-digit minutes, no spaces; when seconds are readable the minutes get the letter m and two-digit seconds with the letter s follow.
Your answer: 8h35
